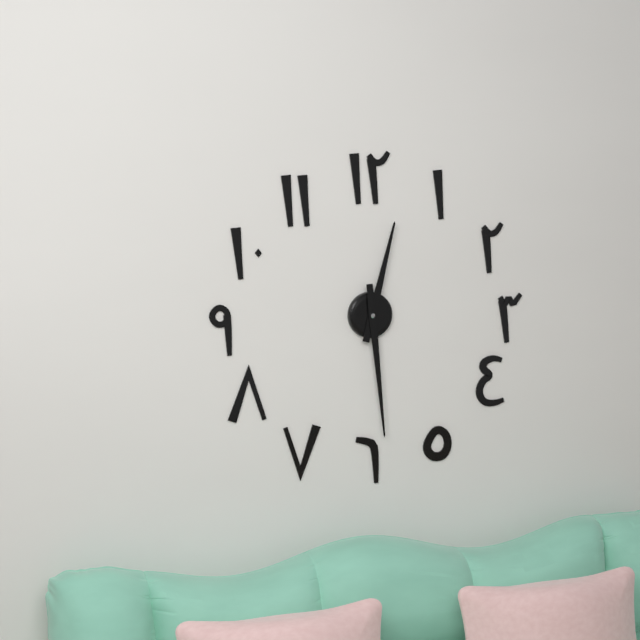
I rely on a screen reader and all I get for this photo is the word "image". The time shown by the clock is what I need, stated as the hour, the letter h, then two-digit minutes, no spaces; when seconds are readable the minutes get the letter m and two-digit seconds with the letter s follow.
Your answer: 12h29
